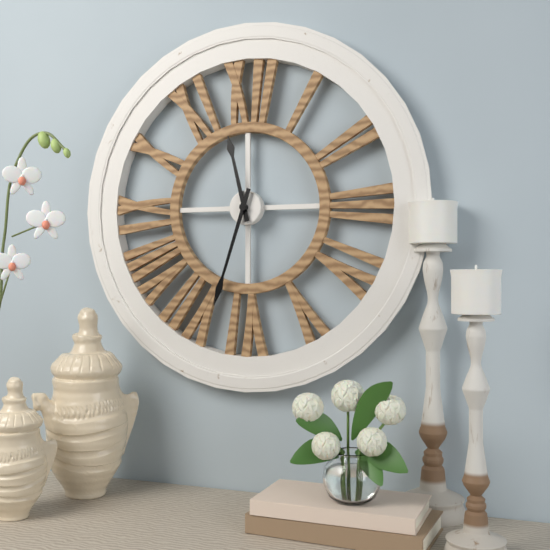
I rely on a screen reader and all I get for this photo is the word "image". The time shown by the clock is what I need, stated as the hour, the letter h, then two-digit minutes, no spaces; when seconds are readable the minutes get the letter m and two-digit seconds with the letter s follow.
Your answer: 11h33
